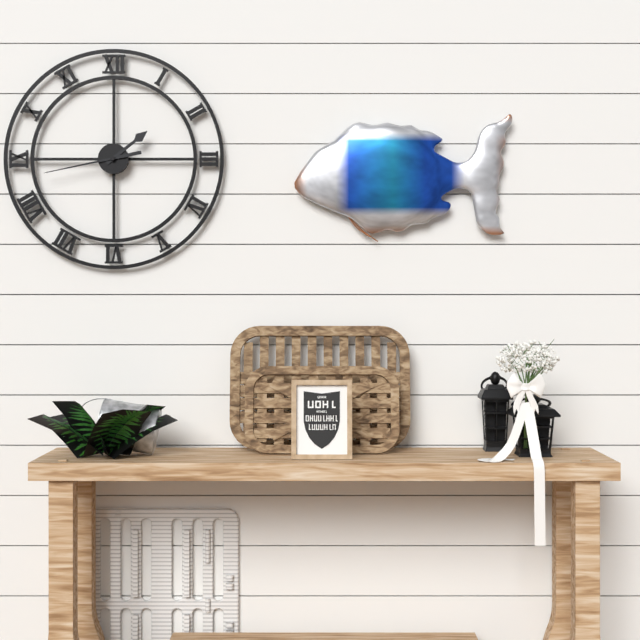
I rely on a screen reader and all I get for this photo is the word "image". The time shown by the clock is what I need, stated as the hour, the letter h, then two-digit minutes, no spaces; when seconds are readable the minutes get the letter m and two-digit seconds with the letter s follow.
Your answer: 1h43
